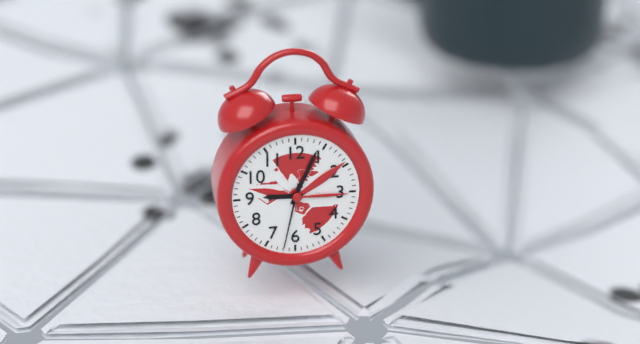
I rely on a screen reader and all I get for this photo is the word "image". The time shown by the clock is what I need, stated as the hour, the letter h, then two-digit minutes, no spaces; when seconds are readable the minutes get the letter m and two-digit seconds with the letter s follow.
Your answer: 9h04m32s
